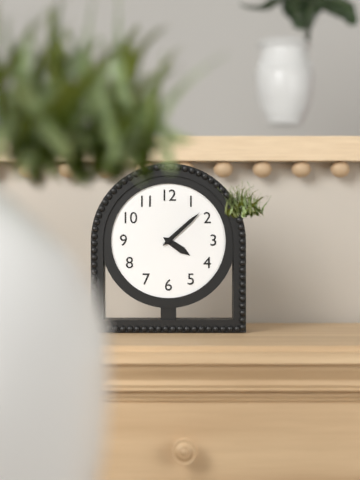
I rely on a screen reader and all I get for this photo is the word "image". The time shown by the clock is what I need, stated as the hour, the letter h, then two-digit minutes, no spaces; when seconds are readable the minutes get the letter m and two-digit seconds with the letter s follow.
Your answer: 4h08
